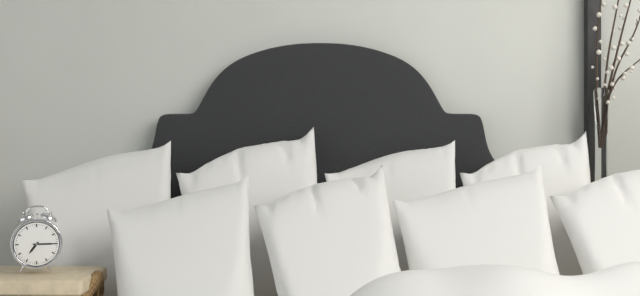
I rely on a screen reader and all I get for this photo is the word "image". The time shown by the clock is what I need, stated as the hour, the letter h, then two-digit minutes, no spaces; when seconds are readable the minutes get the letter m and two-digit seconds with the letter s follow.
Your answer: 7h15
